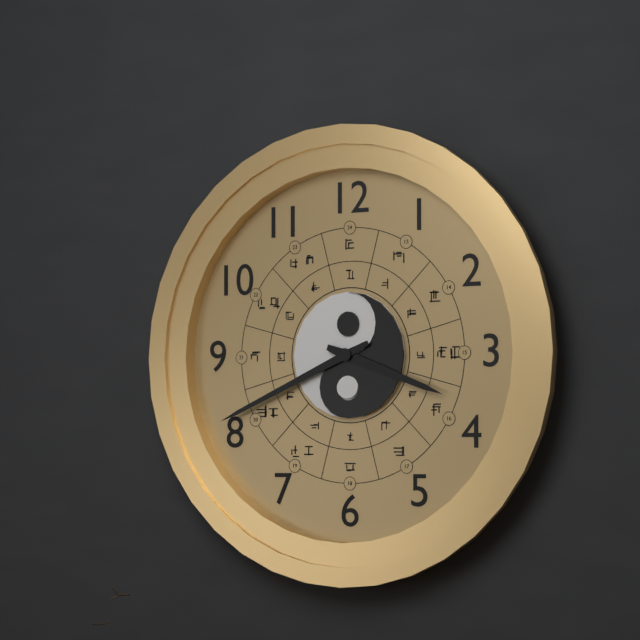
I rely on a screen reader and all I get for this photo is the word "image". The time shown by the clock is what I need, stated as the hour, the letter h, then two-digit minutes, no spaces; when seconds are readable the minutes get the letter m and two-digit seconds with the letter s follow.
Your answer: 3h41
